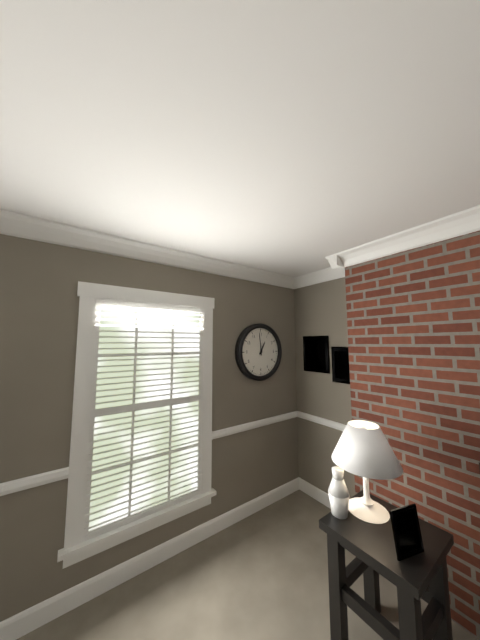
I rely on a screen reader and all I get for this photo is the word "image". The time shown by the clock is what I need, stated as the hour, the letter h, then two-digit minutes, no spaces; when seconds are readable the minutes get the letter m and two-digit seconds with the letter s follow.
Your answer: 12h59
